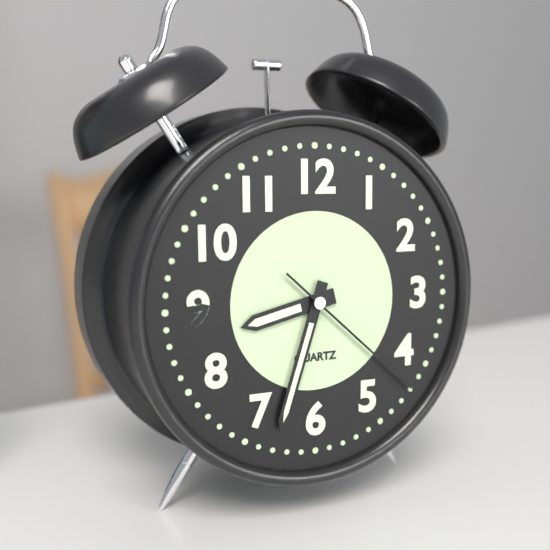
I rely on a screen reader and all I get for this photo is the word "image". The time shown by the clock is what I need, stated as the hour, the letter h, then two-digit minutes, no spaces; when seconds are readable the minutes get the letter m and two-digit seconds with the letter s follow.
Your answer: 8h33m22s
